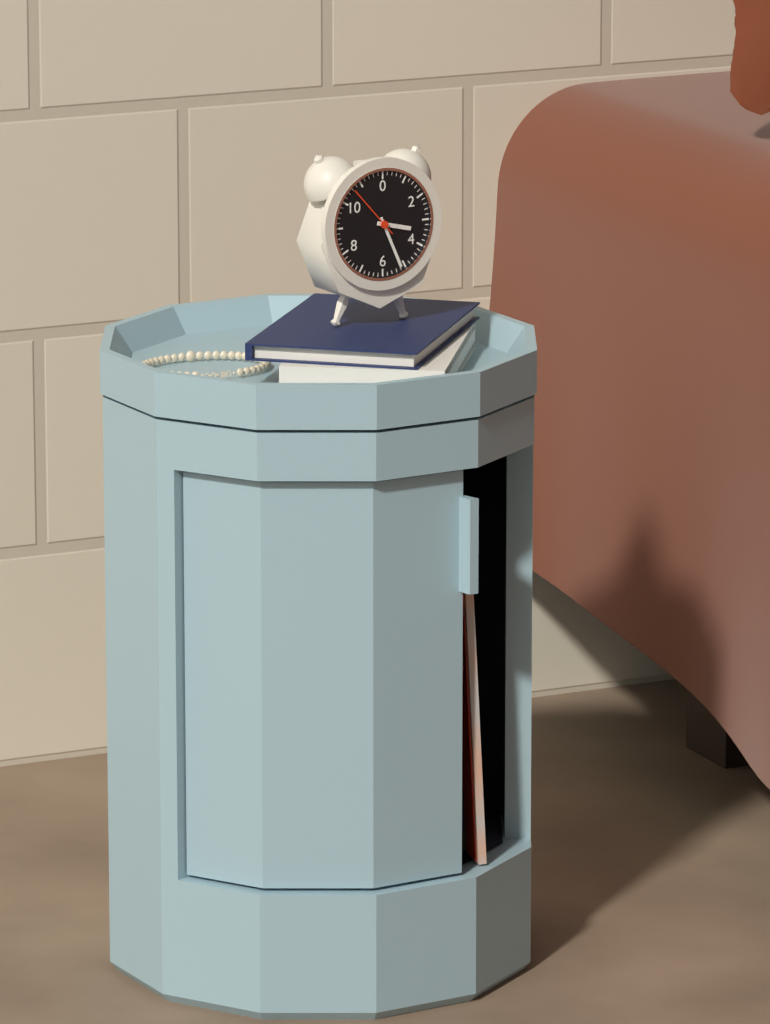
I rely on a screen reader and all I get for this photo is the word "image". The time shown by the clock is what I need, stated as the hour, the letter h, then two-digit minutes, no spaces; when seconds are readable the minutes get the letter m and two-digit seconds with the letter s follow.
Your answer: 3h26m53s
